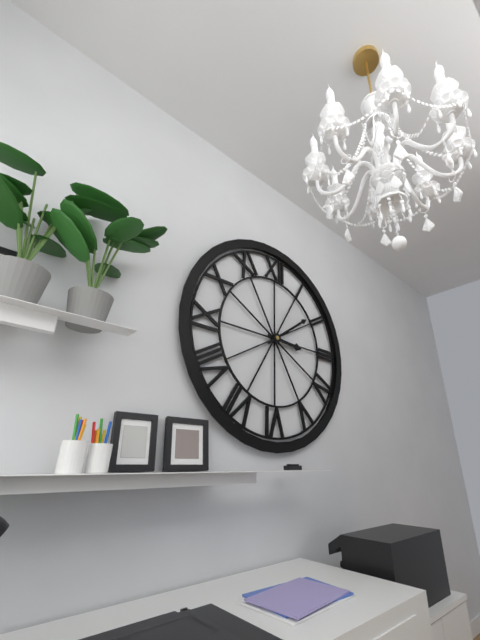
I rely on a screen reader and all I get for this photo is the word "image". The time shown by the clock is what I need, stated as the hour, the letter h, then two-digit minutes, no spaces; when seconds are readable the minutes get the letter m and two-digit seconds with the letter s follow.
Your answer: 3h09
